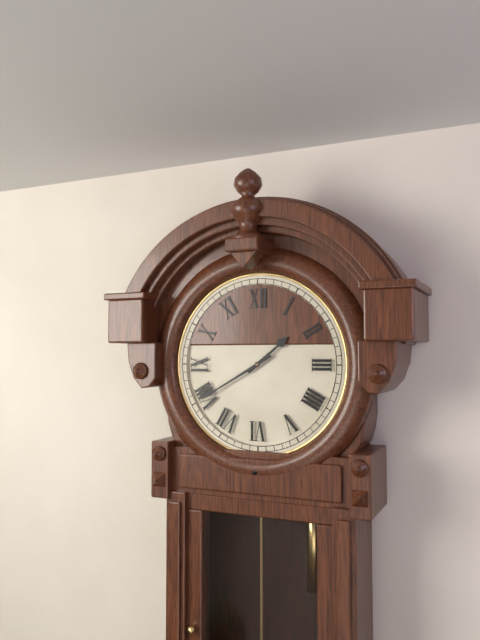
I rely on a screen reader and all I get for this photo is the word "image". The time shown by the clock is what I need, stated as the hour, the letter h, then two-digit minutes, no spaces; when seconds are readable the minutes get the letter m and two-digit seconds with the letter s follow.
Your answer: 1h40
